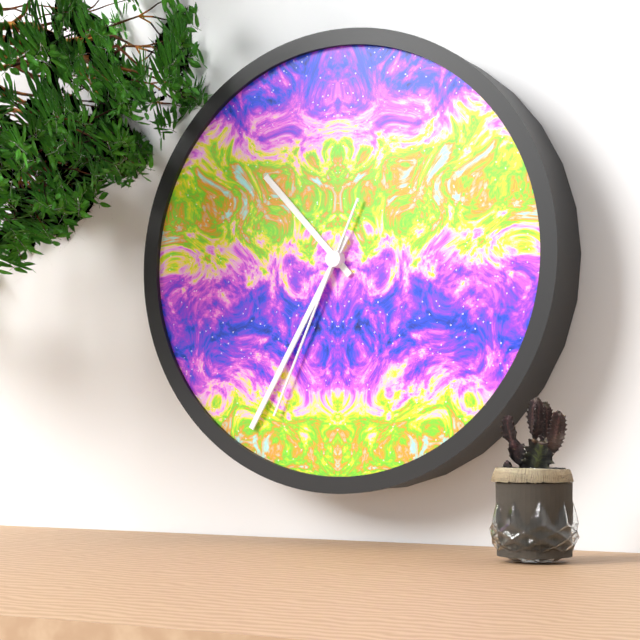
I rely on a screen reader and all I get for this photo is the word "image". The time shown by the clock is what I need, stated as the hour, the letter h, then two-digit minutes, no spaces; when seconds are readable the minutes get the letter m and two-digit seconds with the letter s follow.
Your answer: 10h35m34s
